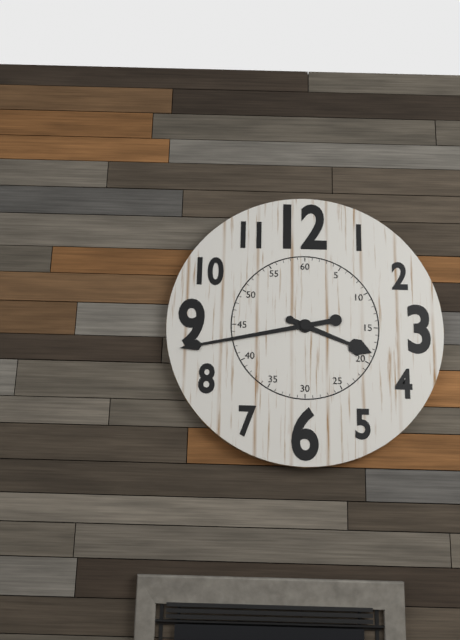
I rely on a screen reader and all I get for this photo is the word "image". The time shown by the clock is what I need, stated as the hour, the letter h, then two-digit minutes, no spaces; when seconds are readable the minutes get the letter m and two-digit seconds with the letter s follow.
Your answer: 3h43
